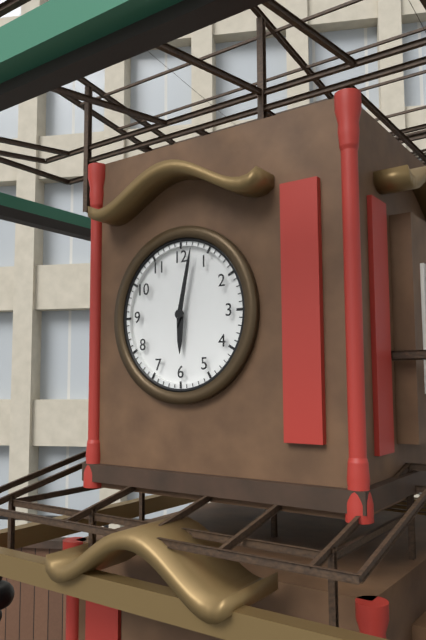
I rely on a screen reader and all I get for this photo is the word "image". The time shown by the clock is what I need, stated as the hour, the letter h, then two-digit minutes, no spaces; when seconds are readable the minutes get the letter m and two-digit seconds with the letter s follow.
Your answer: 6h02
